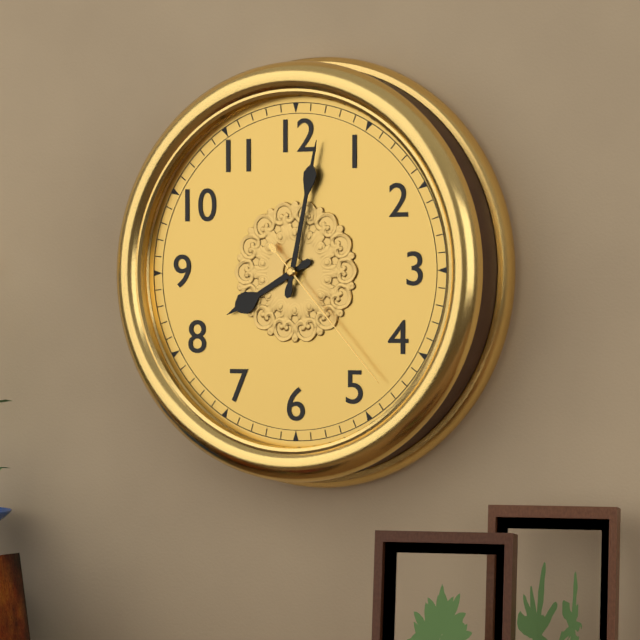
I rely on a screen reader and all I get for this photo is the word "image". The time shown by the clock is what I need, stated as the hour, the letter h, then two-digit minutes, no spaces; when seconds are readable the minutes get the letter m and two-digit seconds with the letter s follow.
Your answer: 8h02m23s
